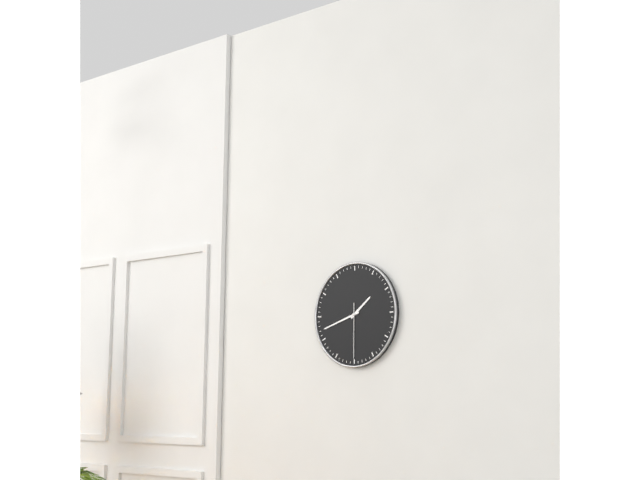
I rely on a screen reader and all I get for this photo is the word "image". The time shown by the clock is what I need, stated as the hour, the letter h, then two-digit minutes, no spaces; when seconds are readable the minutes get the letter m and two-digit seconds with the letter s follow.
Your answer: 1h42m30s
